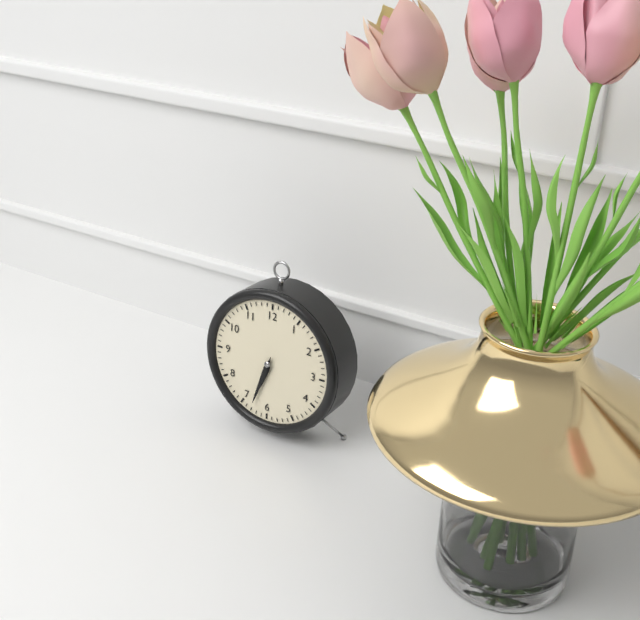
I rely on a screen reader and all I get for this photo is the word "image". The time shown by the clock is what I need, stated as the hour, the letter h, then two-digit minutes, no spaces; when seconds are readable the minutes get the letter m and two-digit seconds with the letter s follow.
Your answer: 6h33
